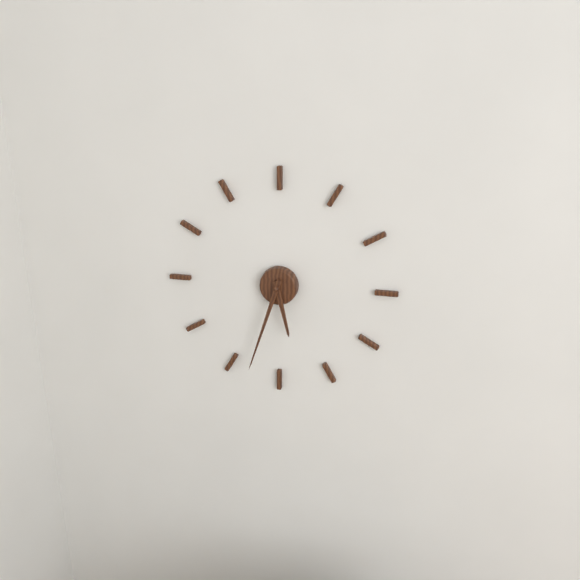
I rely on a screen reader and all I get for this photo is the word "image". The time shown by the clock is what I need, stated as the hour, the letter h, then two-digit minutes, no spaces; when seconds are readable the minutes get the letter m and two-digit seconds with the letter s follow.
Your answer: 5h33
